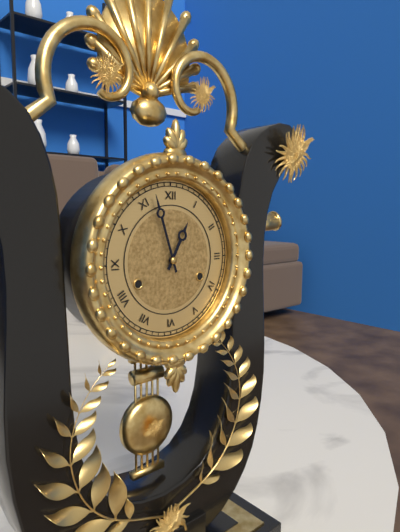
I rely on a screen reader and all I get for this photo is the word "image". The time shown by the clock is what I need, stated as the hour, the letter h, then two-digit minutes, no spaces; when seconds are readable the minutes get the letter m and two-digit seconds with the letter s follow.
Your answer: 12h57
